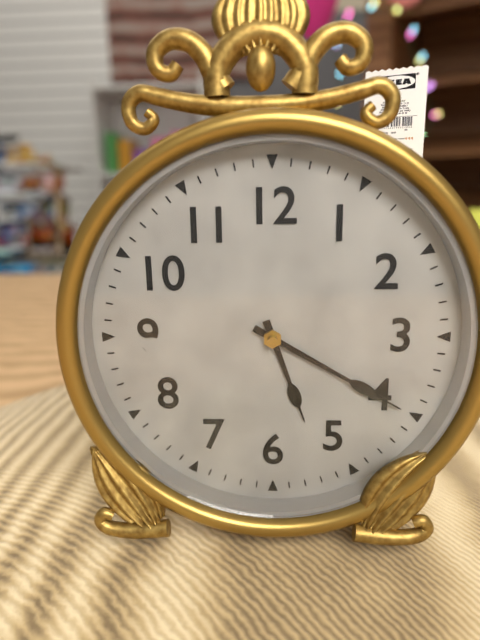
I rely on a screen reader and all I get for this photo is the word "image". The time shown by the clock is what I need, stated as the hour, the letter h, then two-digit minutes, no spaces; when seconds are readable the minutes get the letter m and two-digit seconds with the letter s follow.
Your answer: 5h20
